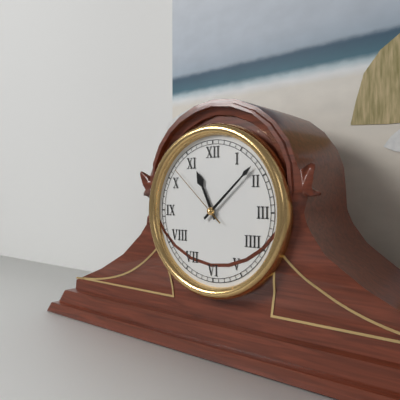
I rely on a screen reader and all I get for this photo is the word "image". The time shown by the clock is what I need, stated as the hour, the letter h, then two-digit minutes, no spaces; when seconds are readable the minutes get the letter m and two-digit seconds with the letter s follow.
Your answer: 11h08m52s
